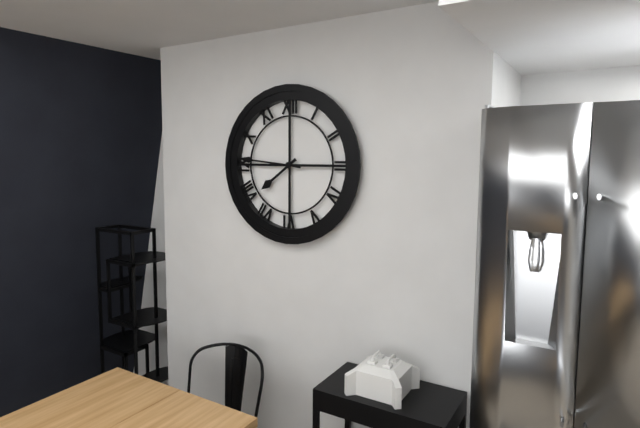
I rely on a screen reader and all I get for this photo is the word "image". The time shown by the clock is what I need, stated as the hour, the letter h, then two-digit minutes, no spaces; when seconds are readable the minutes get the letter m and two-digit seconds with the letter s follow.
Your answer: 7h46
